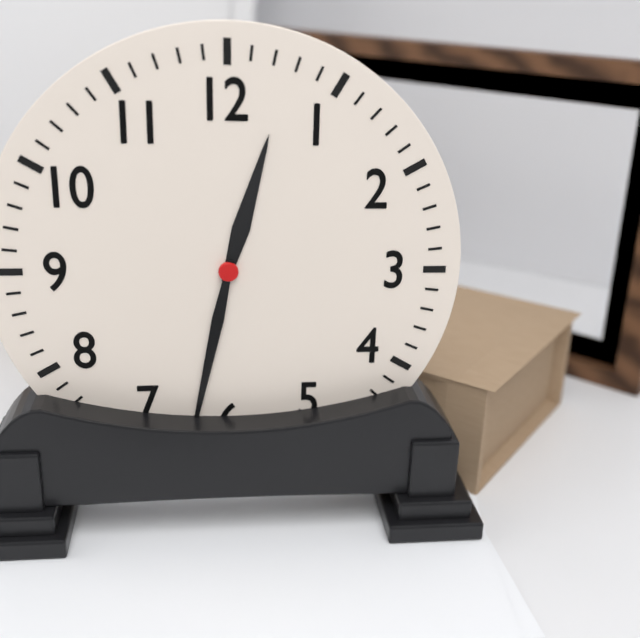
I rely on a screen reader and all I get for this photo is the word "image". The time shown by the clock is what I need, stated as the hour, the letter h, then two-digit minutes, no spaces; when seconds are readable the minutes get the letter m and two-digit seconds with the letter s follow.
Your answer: 12h32
